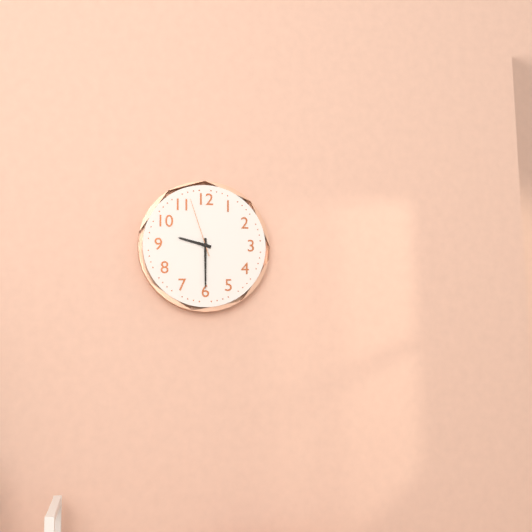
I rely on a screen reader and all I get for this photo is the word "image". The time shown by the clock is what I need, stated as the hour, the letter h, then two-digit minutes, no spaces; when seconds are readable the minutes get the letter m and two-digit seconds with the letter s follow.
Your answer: 9h30m57s
